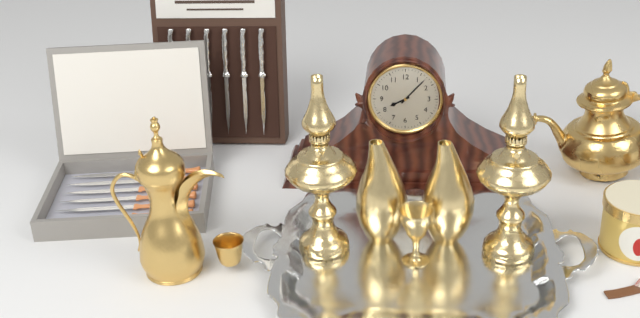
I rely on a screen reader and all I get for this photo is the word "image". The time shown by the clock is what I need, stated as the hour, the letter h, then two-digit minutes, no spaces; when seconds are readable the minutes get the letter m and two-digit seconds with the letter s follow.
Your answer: 8h07
